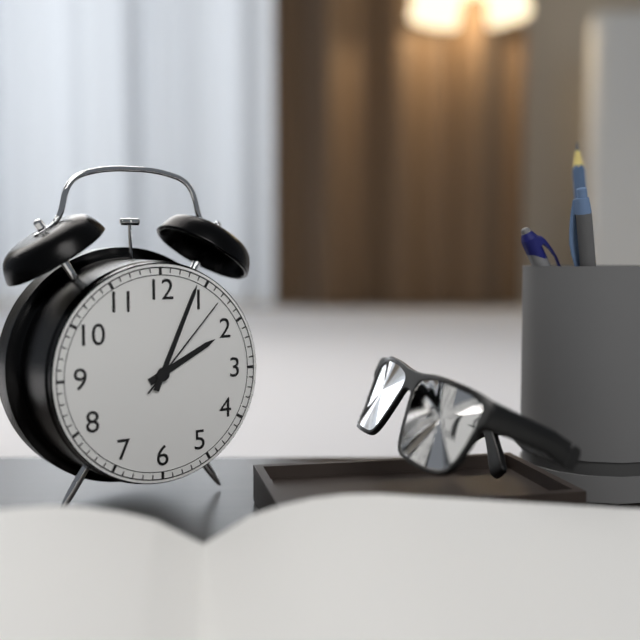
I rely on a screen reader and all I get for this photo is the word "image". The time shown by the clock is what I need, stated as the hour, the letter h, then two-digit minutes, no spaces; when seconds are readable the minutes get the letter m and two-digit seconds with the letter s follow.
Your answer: 2h04m07s
